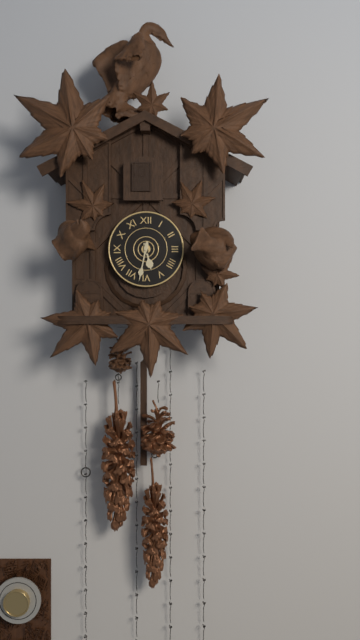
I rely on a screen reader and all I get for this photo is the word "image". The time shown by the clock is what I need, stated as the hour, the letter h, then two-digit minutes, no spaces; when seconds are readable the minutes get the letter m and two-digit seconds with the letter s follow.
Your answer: 5h32
